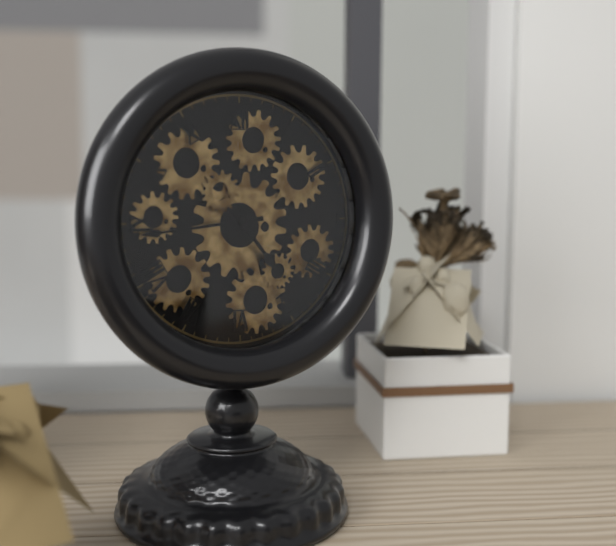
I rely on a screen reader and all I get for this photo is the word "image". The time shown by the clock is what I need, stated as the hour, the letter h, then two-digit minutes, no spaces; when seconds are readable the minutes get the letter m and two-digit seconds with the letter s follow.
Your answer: 4h44
